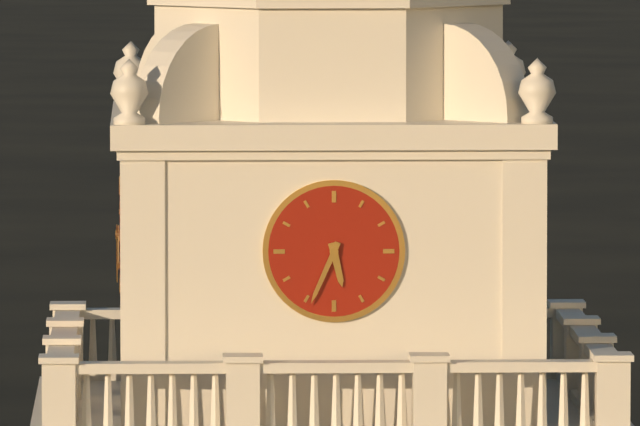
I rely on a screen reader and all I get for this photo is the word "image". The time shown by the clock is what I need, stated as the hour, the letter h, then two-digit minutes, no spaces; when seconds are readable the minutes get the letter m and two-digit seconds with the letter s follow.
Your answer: 5h34
